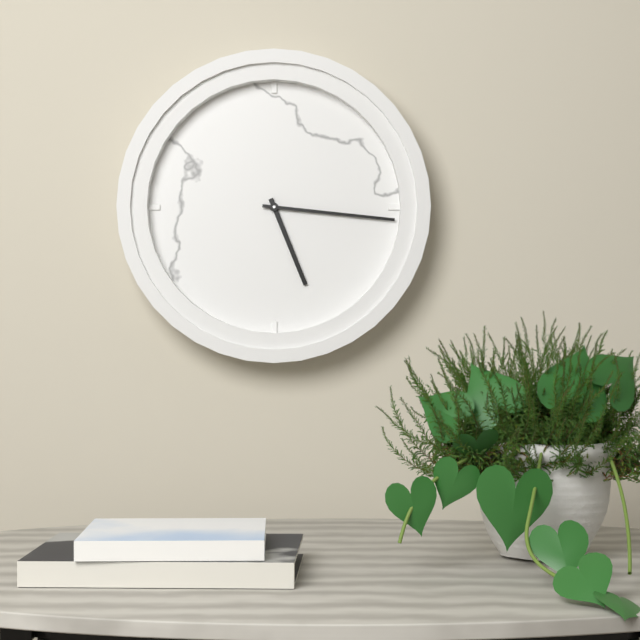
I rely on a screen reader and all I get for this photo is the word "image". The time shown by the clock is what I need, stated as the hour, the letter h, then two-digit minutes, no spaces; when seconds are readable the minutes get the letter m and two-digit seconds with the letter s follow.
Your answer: 5h16
